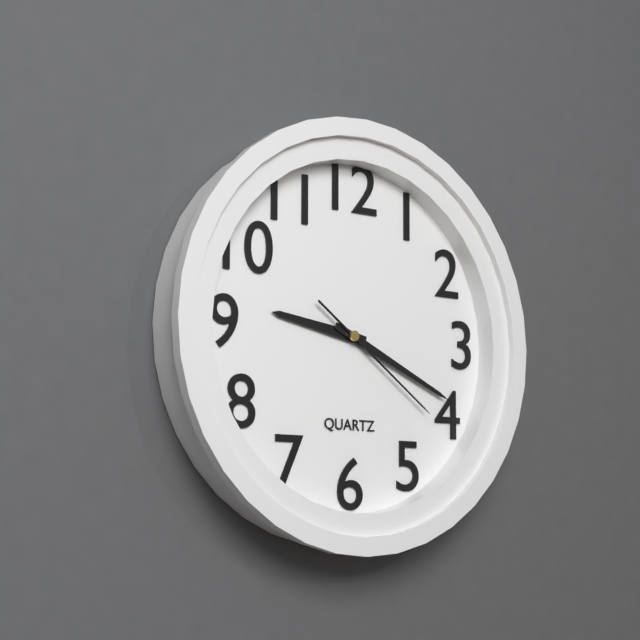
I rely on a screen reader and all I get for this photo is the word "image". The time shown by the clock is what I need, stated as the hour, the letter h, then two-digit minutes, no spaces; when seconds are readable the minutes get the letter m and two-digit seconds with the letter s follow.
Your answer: 9h19m21s
